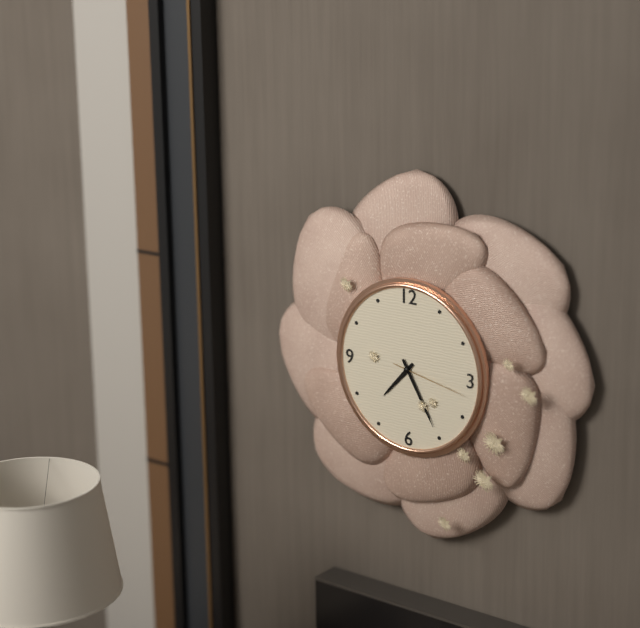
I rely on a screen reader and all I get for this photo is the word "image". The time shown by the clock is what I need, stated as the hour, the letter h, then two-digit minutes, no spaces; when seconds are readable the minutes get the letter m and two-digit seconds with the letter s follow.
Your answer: 7h25m17s
